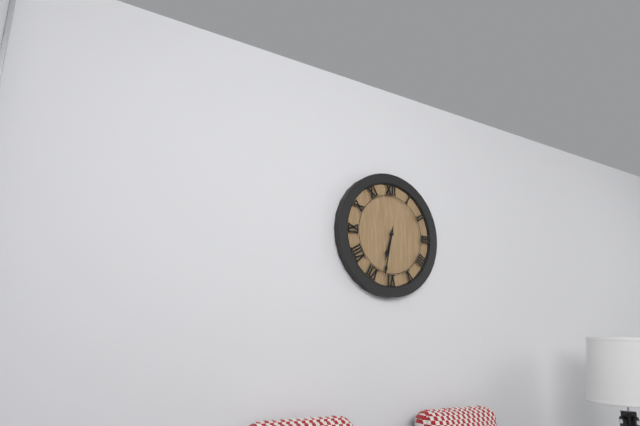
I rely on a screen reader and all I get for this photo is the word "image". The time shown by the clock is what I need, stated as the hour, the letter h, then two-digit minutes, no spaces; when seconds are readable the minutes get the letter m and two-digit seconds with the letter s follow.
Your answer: 6h32
